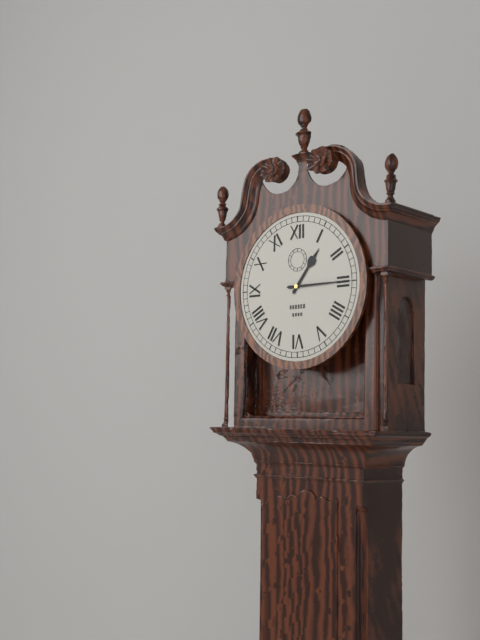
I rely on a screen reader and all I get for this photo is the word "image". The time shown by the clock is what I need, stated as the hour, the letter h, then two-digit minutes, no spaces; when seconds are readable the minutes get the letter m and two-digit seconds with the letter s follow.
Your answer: 1h15
